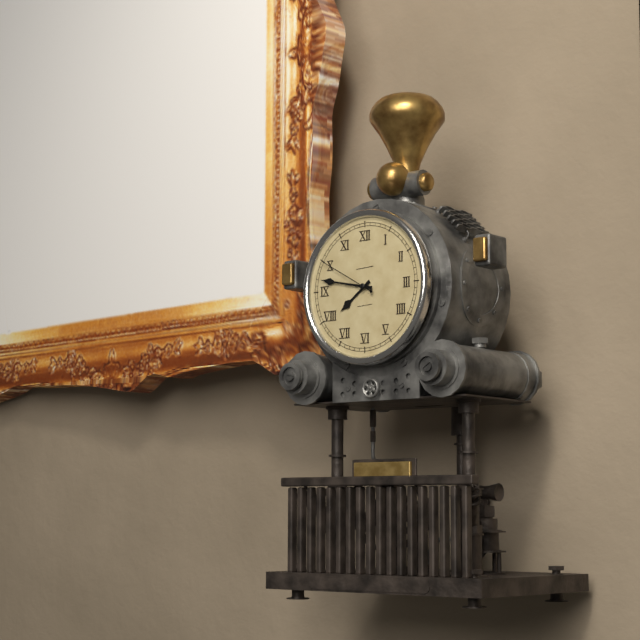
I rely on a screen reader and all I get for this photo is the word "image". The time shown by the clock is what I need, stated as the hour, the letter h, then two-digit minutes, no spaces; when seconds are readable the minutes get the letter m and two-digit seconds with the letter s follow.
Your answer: 7h47m50s
